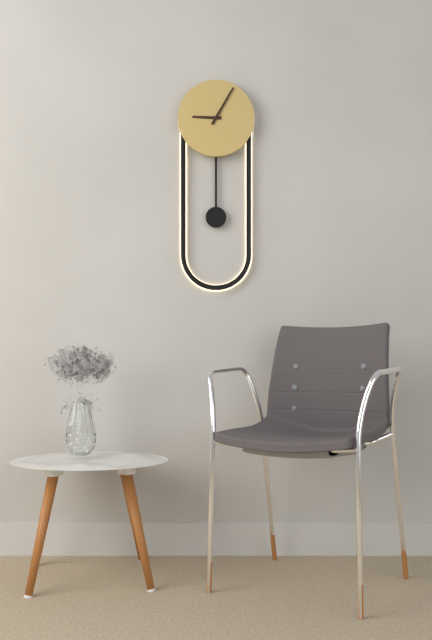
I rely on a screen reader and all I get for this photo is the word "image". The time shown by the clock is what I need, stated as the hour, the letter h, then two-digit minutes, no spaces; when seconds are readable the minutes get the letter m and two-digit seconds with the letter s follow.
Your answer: 9h05
